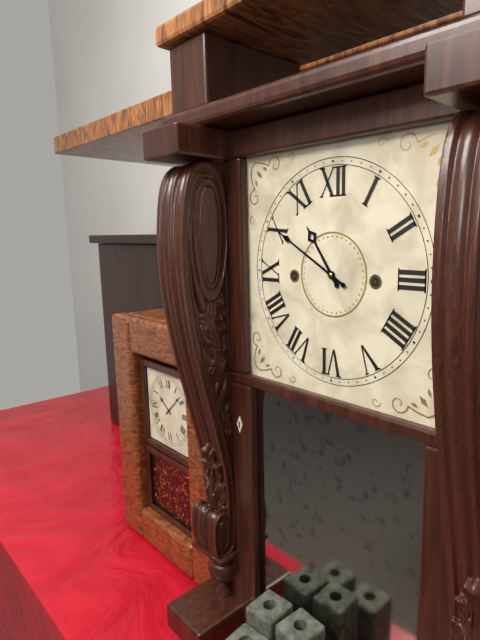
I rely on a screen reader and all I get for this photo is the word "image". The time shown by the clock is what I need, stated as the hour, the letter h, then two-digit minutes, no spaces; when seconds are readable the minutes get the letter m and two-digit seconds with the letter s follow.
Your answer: 10h50
